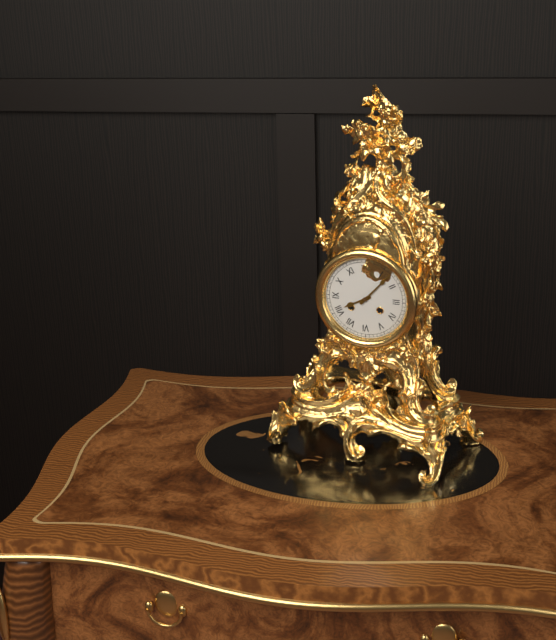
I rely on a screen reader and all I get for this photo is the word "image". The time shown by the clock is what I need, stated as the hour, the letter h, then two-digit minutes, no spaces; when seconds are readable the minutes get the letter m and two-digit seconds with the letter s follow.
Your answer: 8h07
